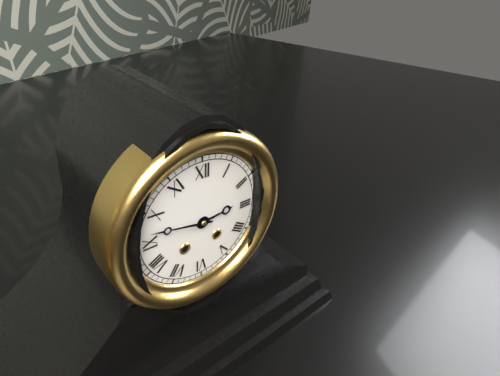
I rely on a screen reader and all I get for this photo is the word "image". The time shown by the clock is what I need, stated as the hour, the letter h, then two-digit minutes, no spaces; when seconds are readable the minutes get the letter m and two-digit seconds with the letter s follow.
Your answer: 2h47
